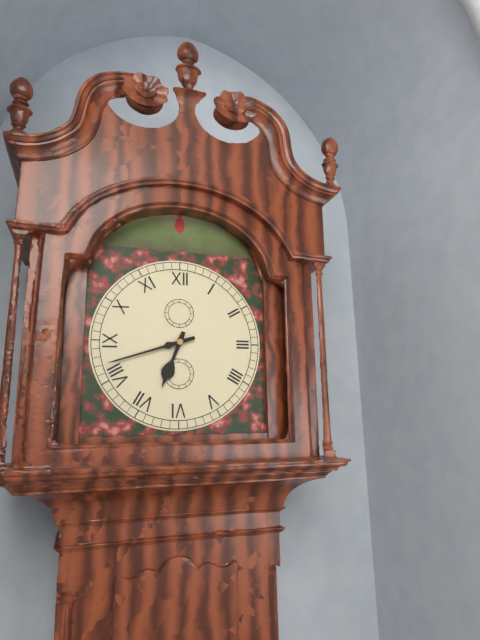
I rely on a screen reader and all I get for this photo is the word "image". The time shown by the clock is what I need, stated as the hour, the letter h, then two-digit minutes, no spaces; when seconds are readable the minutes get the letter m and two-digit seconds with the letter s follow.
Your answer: 6h42
